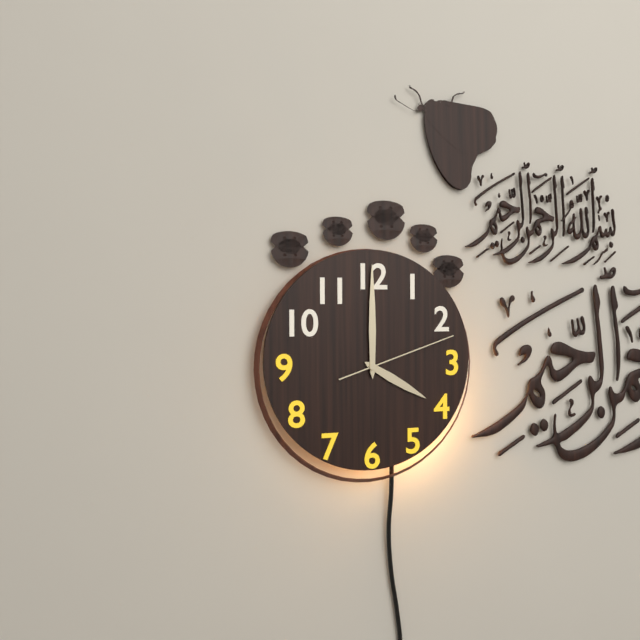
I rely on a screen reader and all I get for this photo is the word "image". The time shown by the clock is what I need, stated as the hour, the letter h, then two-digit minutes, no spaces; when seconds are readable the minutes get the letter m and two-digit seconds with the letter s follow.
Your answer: 4h00m12s
